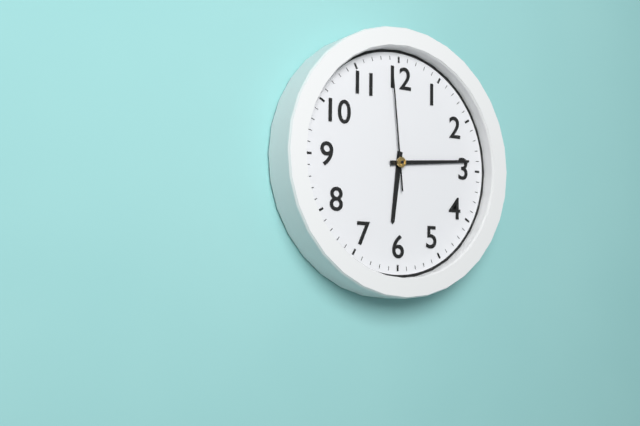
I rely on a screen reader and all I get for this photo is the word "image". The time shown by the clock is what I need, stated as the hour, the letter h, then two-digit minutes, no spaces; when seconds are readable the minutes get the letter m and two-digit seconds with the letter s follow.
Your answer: 6h14m59s
